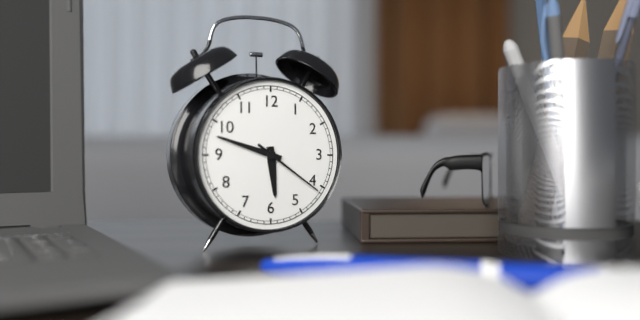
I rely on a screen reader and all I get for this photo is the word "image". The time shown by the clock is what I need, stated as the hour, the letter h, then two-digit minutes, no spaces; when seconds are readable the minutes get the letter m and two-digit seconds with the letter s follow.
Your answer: 5h48m21s
